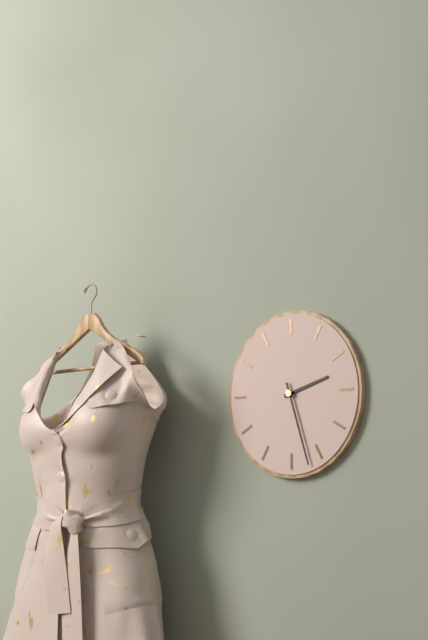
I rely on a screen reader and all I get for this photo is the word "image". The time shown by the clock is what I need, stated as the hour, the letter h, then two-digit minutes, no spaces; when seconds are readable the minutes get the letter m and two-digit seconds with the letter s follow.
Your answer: 2h27
